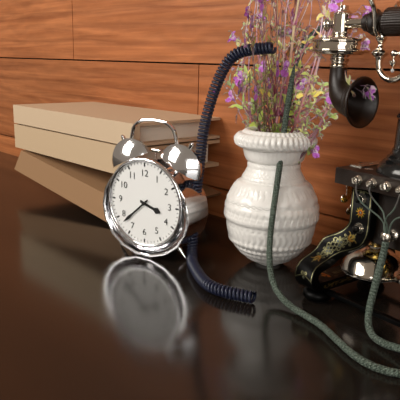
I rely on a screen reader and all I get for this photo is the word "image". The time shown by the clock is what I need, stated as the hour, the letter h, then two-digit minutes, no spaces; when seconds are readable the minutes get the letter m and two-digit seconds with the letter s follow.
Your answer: 3h38
